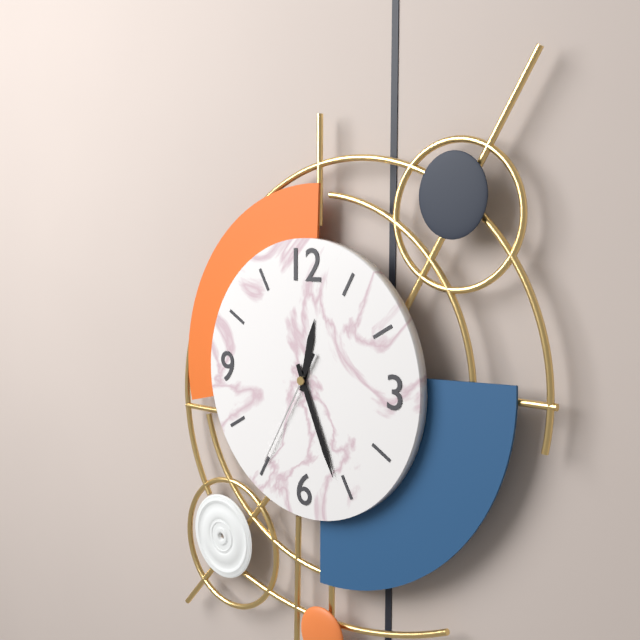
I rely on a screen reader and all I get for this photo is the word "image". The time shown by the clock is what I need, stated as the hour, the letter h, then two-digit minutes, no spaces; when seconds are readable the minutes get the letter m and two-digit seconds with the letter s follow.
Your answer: 12h26m35s
